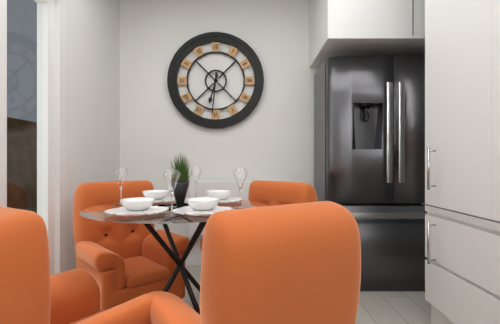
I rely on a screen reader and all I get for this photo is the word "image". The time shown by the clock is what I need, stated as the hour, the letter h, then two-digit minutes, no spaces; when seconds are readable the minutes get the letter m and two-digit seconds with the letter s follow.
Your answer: 6h31
